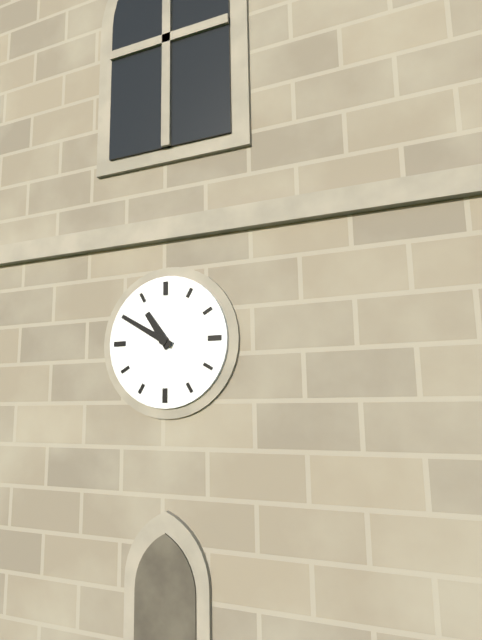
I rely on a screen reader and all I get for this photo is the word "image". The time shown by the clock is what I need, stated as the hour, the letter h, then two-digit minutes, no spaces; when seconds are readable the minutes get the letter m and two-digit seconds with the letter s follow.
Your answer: 10h50
